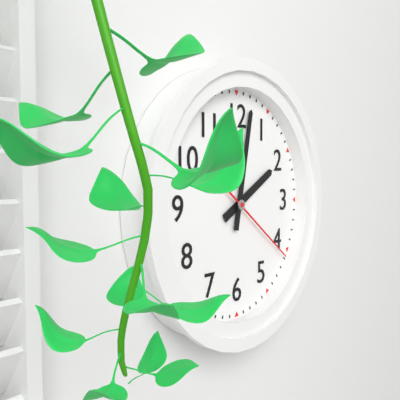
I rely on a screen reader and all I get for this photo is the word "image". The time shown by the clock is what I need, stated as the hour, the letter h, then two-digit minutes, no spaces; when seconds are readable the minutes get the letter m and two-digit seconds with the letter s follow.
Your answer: 2h02m21s
